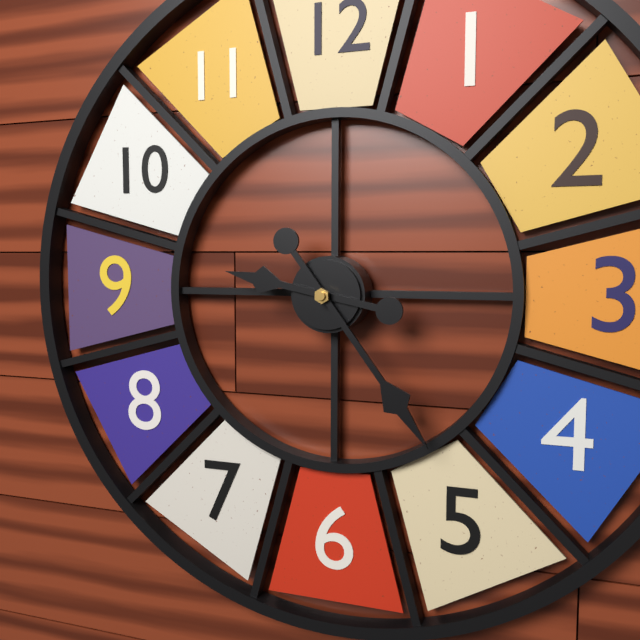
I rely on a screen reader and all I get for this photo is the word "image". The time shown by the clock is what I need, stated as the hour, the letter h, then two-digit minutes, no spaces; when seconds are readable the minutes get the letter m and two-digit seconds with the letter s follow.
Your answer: 9h24
